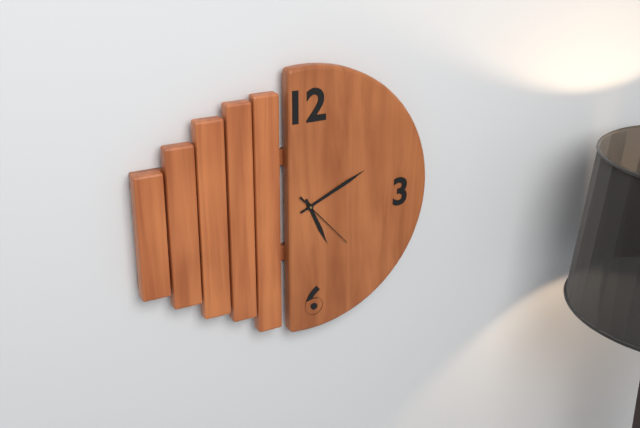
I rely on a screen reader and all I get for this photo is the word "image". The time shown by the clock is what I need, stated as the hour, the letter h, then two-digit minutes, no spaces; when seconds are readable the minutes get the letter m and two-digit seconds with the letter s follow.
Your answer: 5h11m23s
